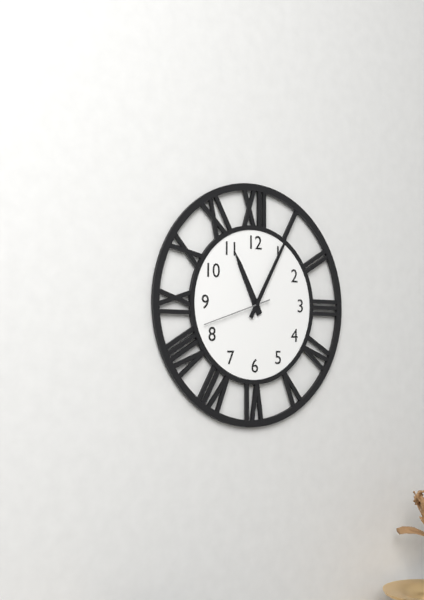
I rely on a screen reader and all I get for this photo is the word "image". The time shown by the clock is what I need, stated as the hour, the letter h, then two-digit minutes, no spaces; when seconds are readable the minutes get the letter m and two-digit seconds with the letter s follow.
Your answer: 11h05m42s
